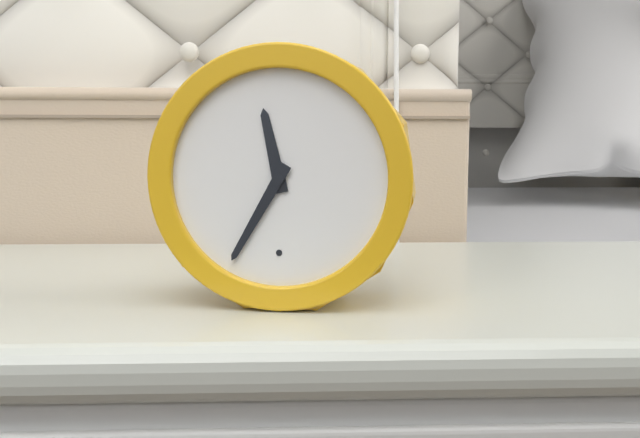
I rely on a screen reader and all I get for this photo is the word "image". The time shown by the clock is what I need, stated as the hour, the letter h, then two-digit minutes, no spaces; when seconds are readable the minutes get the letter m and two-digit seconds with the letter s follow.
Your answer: 11h35
